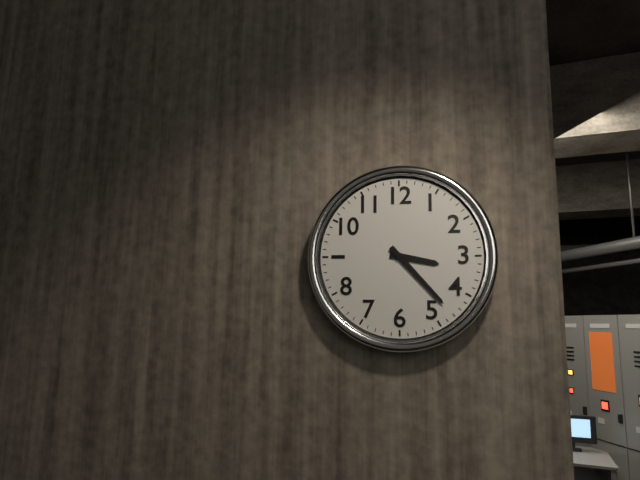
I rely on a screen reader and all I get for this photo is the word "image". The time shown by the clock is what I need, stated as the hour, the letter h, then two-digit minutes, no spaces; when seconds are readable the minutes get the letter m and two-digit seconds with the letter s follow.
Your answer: 3h23
